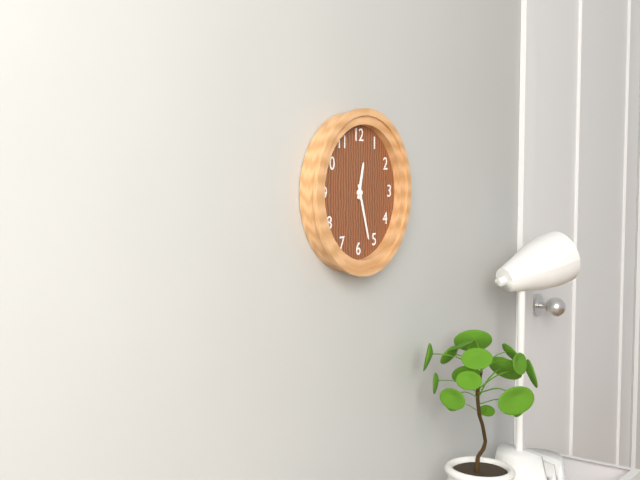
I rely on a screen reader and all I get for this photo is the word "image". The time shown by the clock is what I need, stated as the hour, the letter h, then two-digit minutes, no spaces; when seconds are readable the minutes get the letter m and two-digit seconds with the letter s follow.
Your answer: 12h27
